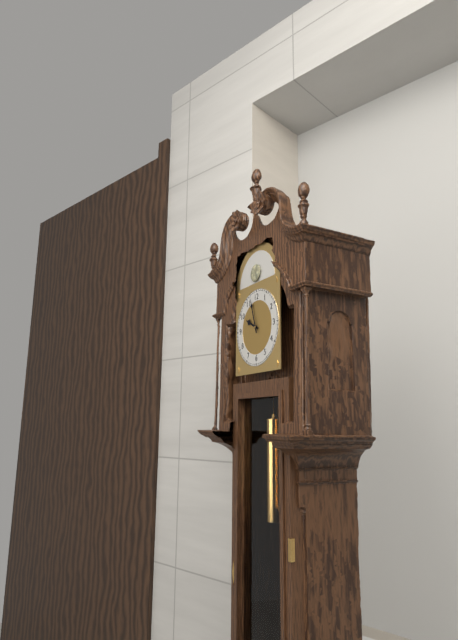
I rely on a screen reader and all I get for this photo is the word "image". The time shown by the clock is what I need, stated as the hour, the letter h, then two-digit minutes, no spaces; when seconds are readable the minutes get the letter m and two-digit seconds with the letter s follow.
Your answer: 9h57
